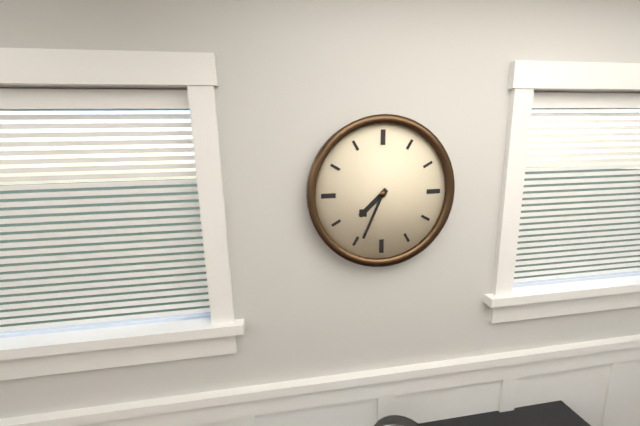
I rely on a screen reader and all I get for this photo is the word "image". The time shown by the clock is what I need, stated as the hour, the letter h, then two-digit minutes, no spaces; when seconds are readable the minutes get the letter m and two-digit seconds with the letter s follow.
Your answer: 7h34
